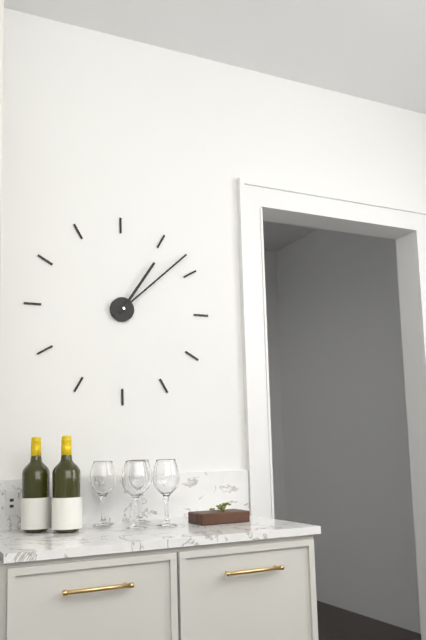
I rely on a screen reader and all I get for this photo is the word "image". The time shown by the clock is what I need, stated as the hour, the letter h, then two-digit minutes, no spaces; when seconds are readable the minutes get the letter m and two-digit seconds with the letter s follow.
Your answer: 1h08
